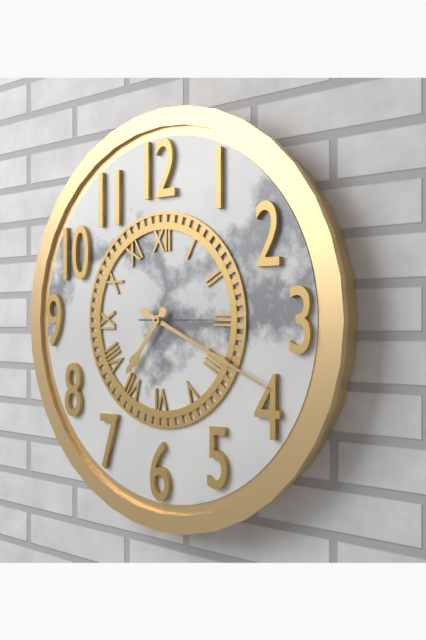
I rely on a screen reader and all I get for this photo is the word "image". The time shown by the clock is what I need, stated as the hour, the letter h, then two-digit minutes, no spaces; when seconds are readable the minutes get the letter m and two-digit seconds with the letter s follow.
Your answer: 7h19m15s
